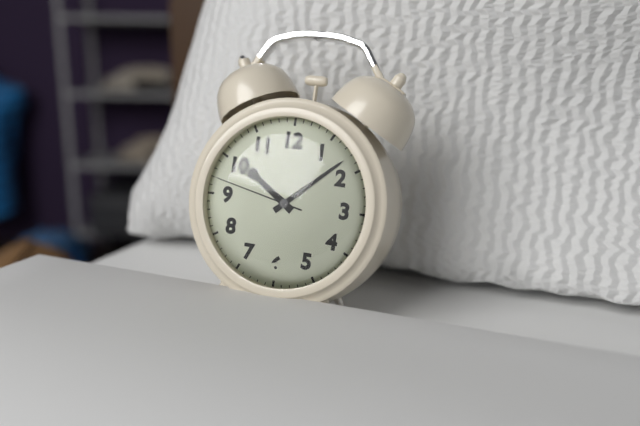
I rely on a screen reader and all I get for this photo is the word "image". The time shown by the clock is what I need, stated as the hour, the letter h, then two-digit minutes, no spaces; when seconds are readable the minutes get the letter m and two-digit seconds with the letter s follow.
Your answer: 10h08m47s
